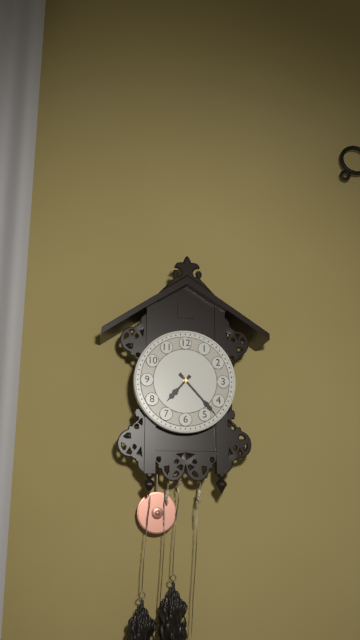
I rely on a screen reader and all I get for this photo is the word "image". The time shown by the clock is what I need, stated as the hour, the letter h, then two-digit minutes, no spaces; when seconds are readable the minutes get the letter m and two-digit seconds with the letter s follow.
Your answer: 7h23
